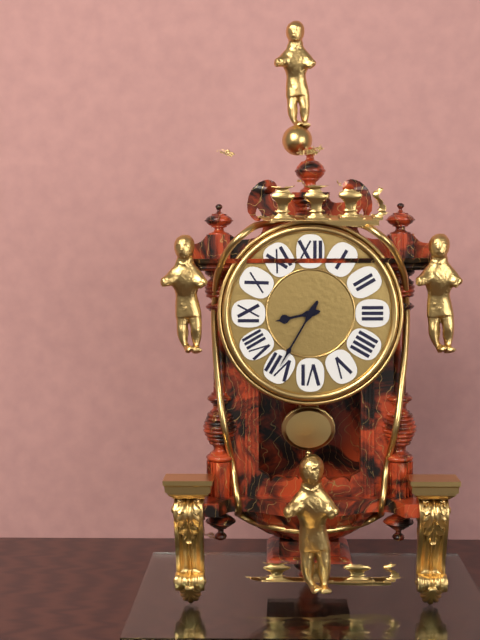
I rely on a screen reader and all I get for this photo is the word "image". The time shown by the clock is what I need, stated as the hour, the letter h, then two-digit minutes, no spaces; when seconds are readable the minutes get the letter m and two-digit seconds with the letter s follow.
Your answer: 8h35
